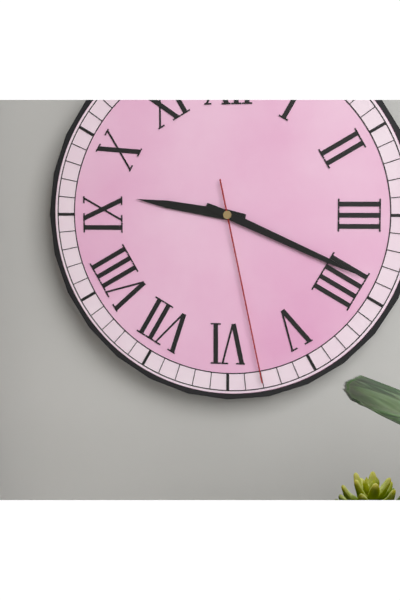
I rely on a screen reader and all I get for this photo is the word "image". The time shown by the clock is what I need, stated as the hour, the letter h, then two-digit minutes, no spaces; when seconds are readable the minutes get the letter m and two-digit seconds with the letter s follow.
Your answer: 9h19m28s
